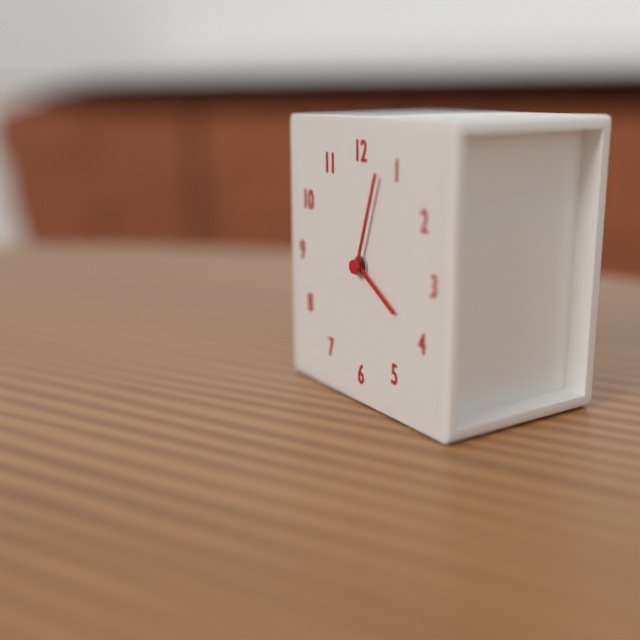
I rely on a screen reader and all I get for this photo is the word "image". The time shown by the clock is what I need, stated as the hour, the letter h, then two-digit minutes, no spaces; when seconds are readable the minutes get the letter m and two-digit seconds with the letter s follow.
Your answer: 4h03
